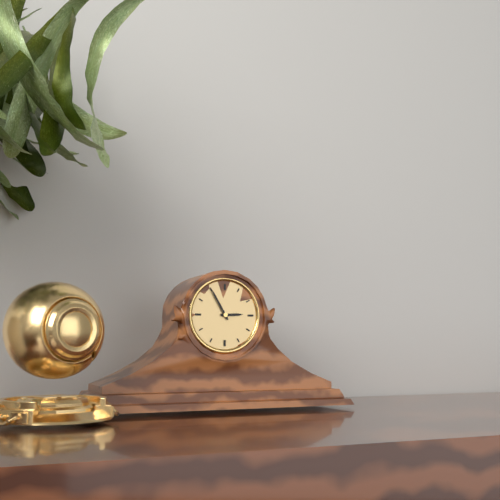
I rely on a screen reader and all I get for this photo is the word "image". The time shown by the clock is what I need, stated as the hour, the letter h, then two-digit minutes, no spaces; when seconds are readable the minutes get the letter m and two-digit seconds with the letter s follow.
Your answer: 2h55
